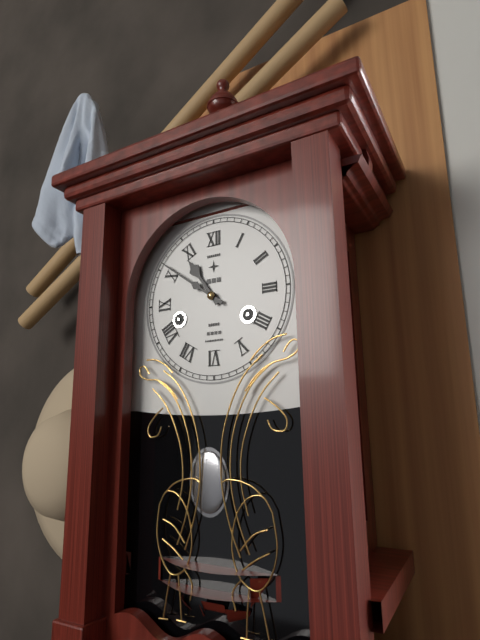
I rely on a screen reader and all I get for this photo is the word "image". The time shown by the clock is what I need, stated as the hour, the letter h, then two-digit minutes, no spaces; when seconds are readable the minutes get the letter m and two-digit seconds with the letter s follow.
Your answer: 10h51
